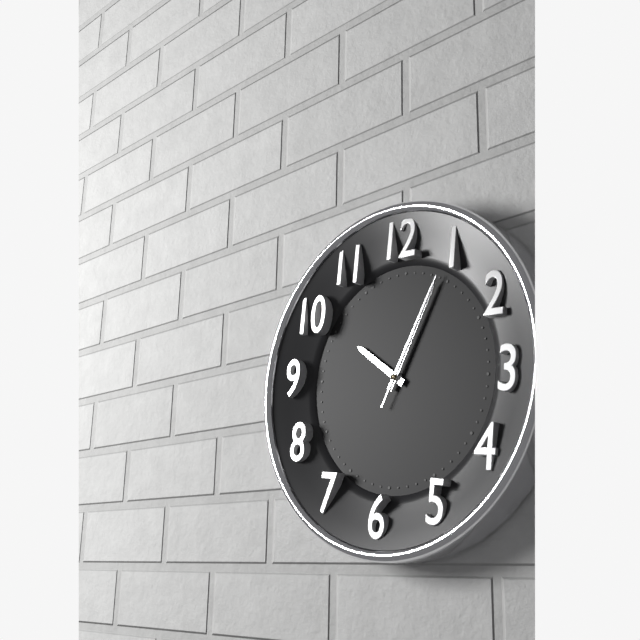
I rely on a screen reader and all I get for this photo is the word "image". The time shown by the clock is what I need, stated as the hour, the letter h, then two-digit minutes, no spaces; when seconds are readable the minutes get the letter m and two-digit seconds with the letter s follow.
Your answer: 10h04m04s
